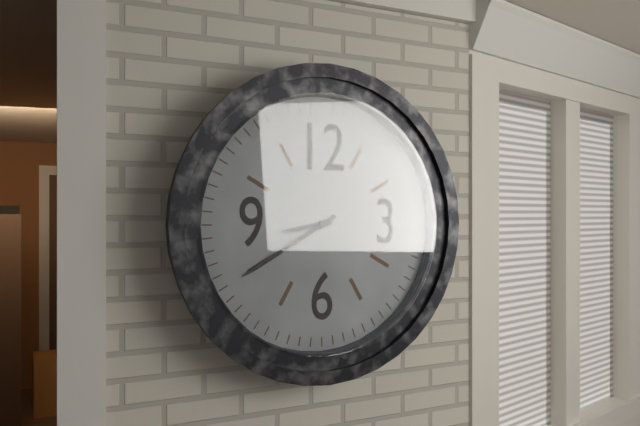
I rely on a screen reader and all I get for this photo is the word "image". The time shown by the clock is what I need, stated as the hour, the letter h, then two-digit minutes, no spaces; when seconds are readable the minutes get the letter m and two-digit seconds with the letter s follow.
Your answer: 8h40
